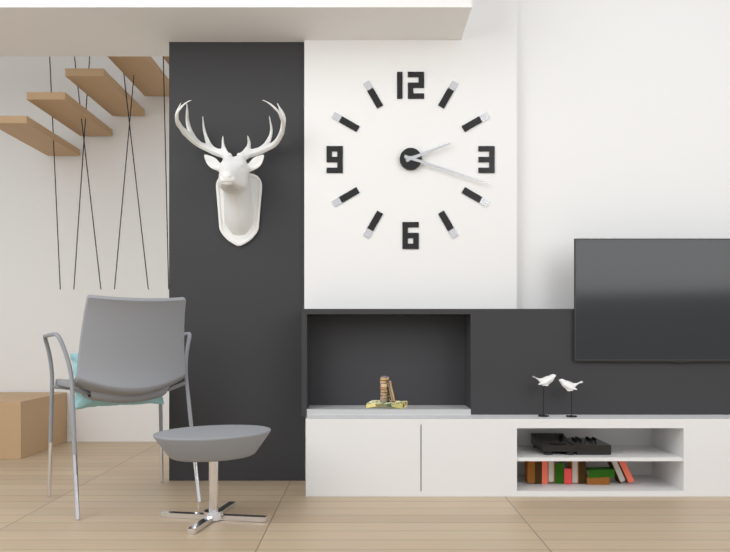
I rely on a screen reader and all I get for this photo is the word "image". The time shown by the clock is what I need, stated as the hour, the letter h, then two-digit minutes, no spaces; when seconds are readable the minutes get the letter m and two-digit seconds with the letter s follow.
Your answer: 2h18
